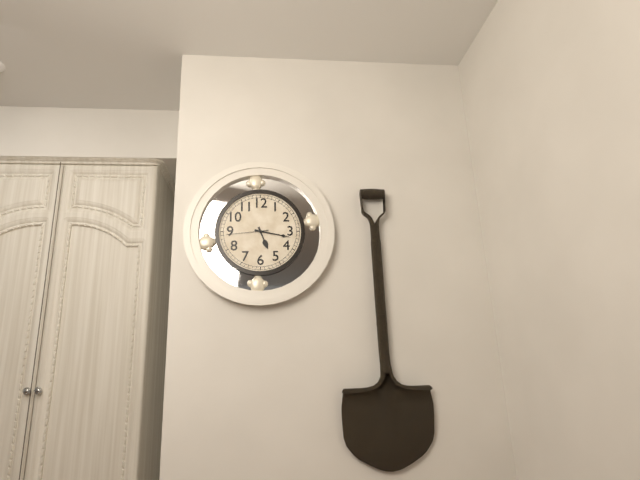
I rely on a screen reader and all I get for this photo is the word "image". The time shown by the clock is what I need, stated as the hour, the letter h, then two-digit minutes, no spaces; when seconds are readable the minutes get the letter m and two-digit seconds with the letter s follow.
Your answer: 5h17
